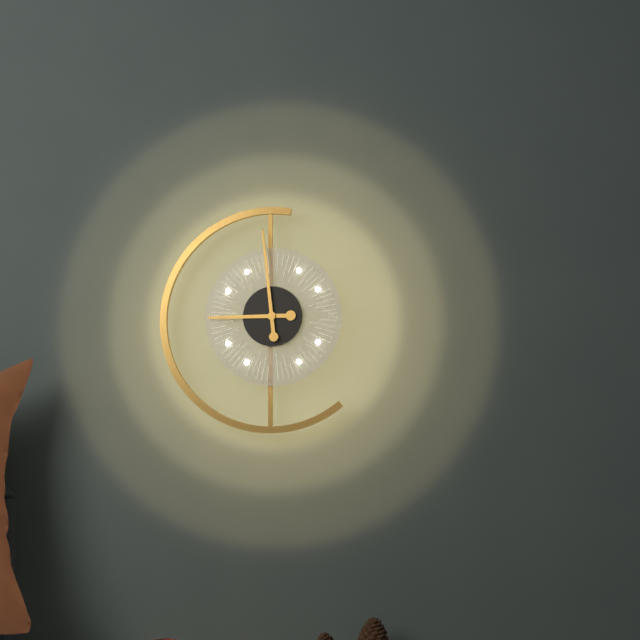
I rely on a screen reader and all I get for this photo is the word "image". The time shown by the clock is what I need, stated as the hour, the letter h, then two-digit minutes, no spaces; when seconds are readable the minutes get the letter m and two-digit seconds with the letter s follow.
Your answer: 8h59
